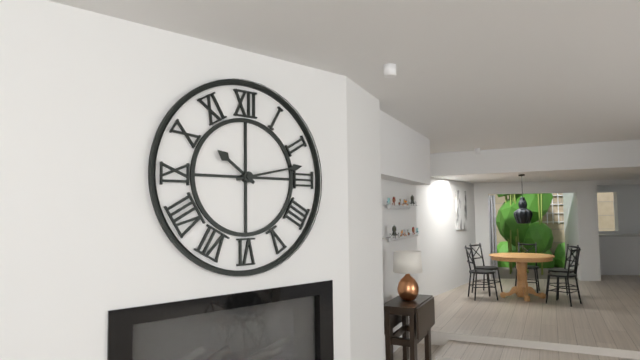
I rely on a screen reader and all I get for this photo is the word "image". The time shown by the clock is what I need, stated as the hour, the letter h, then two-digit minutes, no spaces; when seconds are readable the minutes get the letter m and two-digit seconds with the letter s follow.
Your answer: 10h13
